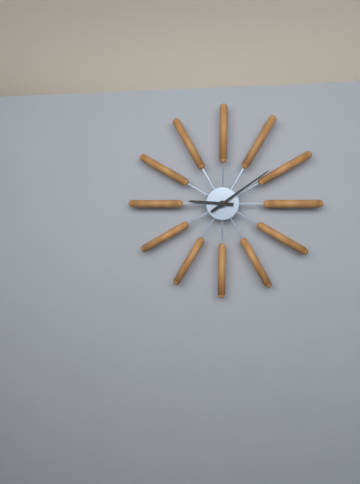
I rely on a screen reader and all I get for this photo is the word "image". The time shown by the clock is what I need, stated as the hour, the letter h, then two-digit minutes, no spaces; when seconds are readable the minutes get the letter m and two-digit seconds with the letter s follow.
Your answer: 9h09
